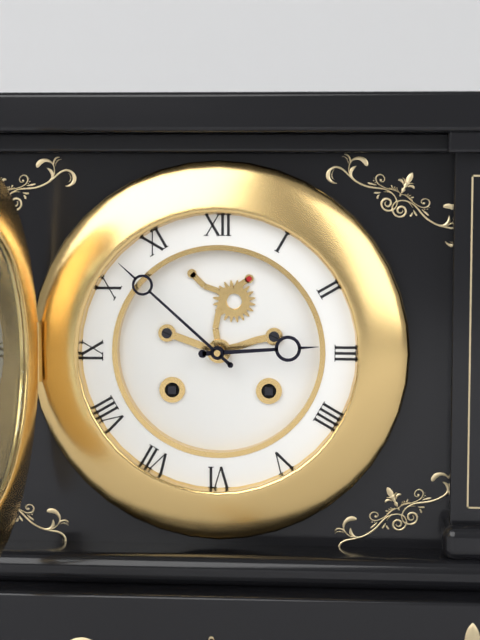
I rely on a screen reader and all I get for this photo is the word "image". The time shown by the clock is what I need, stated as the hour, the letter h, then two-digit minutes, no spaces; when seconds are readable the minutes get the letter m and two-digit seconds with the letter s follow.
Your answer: 2h52
